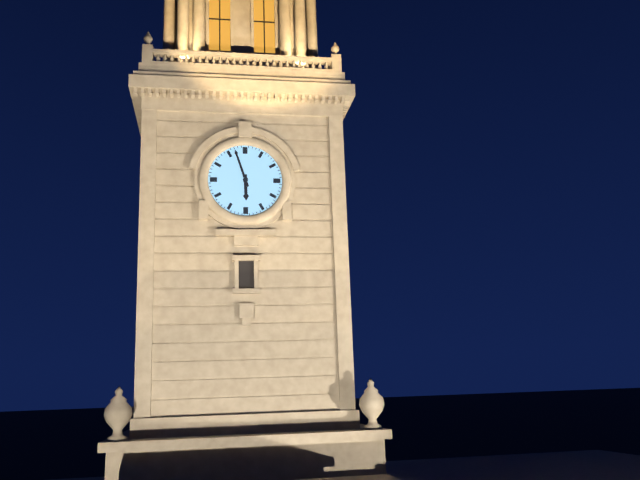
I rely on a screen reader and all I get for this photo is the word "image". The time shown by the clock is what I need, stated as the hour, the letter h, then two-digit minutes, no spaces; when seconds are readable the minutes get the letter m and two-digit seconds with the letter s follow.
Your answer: 5h57
